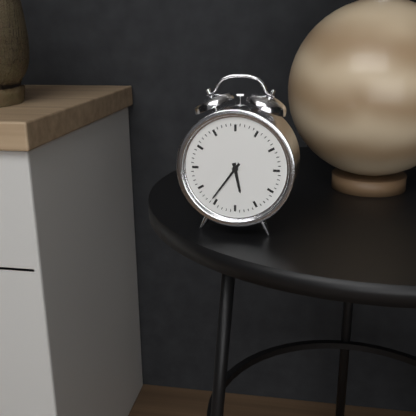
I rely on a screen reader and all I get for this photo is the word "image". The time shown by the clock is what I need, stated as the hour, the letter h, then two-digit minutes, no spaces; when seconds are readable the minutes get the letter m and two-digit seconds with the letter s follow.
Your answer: 5h36
